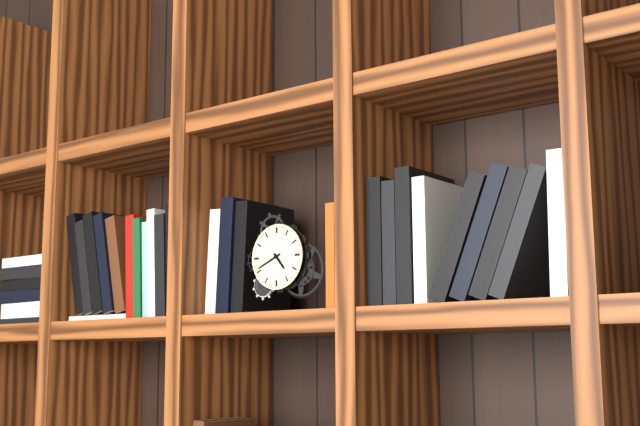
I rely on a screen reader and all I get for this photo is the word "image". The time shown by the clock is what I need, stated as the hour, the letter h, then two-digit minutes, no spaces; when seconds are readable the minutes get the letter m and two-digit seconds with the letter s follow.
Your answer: 4h41
